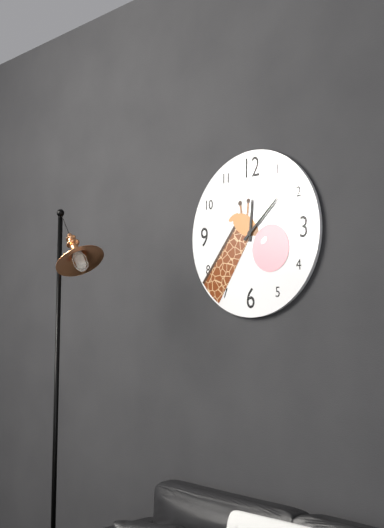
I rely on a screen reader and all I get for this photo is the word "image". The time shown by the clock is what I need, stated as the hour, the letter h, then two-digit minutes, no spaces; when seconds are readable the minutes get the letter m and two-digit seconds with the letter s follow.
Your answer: 12h08
